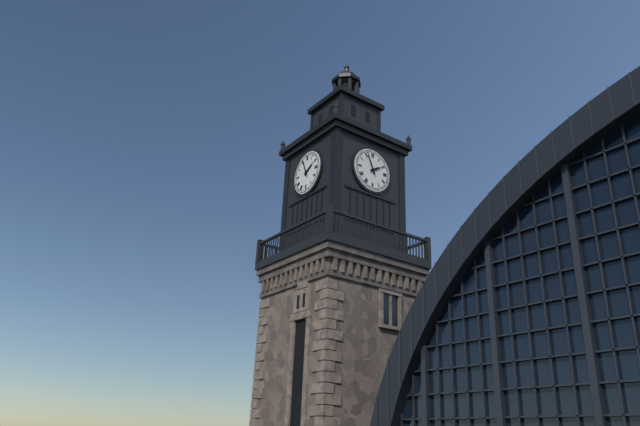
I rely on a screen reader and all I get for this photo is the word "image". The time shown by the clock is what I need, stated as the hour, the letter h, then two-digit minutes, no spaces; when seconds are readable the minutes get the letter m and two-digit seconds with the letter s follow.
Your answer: 1h56
